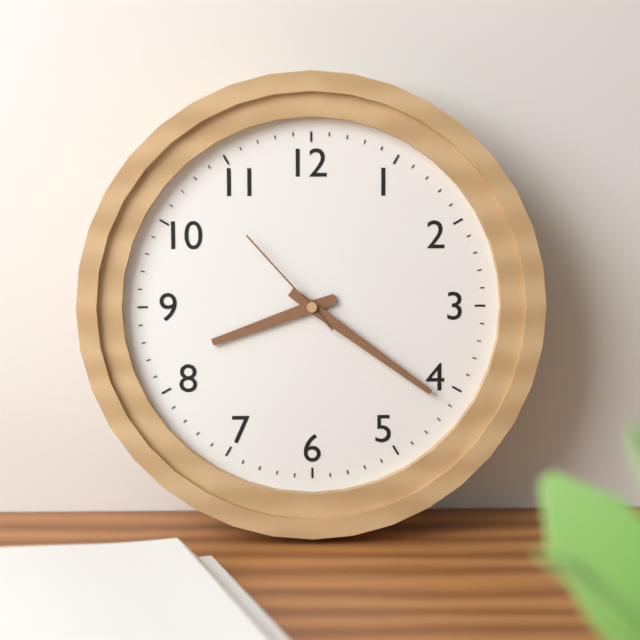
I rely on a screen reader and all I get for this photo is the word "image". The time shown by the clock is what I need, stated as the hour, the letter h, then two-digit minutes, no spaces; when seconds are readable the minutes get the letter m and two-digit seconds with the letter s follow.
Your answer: 8h21m53s
